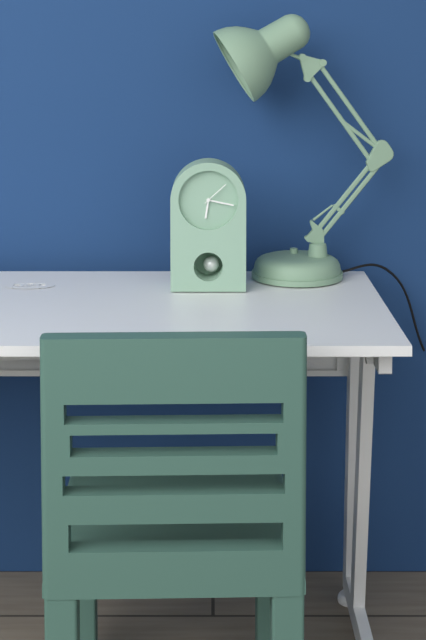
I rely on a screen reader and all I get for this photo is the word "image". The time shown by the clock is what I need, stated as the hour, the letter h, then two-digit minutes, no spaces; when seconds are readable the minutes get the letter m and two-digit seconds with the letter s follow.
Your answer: 6h17
